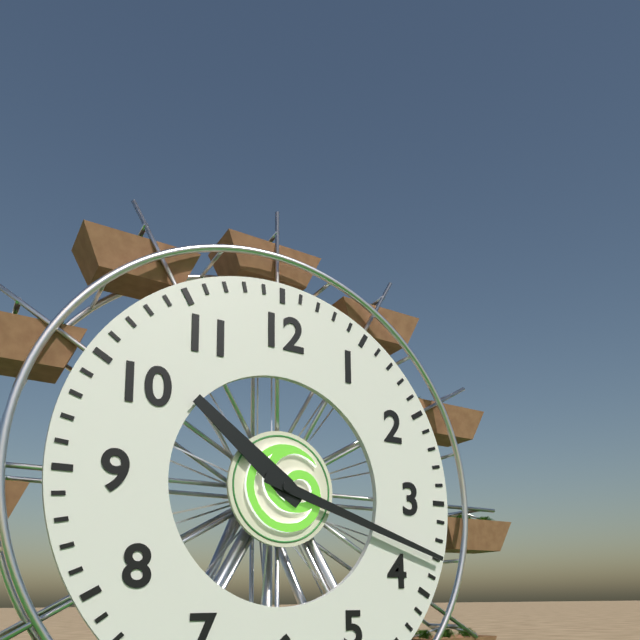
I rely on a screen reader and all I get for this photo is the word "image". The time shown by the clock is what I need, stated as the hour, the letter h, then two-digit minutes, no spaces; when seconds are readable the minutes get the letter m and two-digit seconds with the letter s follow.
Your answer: 10h18
